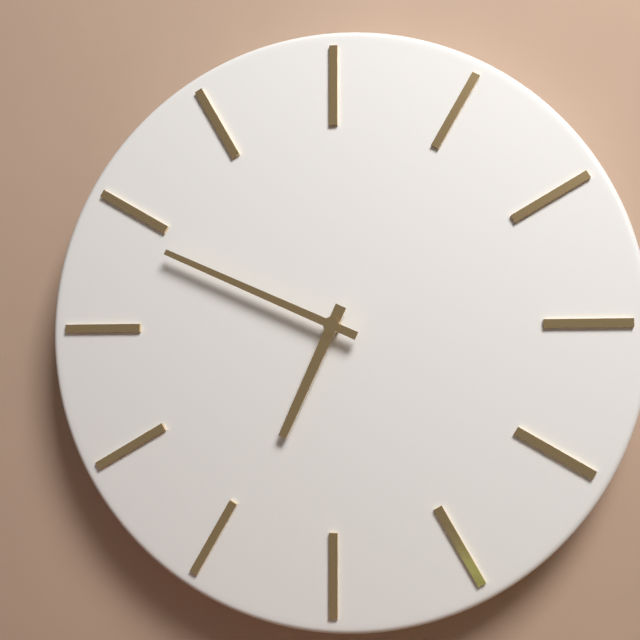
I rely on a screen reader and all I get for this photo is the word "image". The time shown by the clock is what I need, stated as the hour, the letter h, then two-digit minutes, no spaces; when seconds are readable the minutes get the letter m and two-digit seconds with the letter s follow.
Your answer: 6h49
